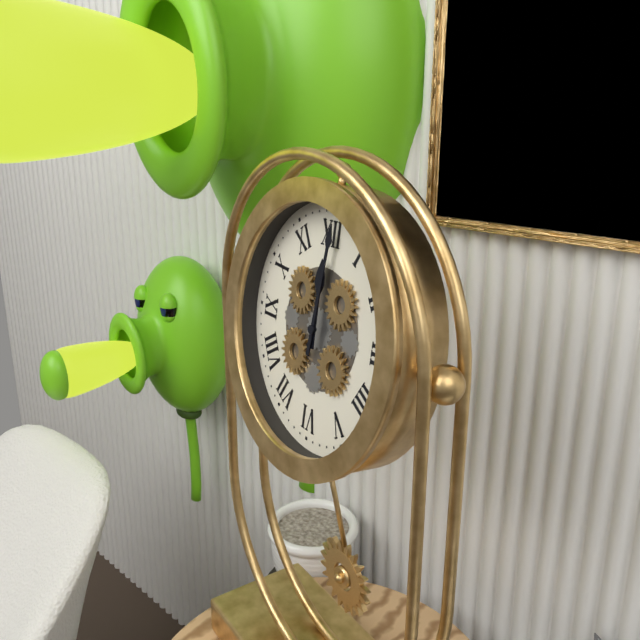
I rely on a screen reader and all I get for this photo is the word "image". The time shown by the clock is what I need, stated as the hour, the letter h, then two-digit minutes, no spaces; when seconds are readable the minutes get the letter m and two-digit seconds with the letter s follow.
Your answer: 12h01
